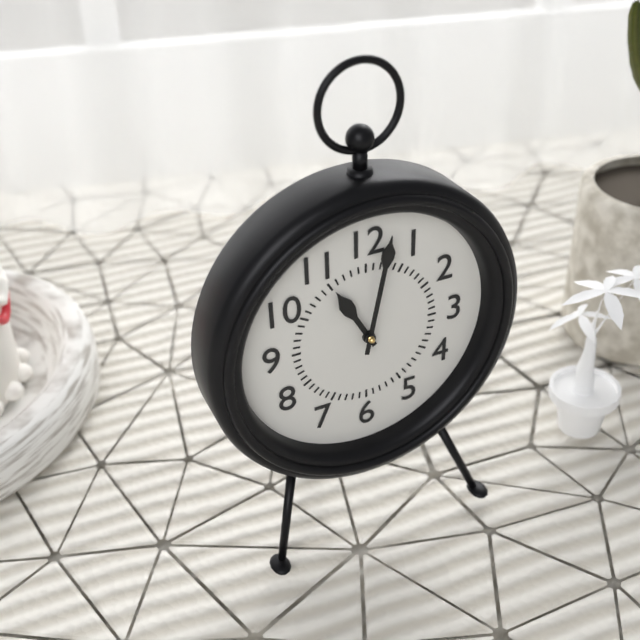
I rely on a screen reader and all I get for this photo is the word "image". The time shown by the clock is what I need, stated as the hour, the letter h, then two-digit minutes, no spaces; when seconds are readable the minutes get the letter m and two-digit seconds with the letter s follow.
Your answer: 11h02
